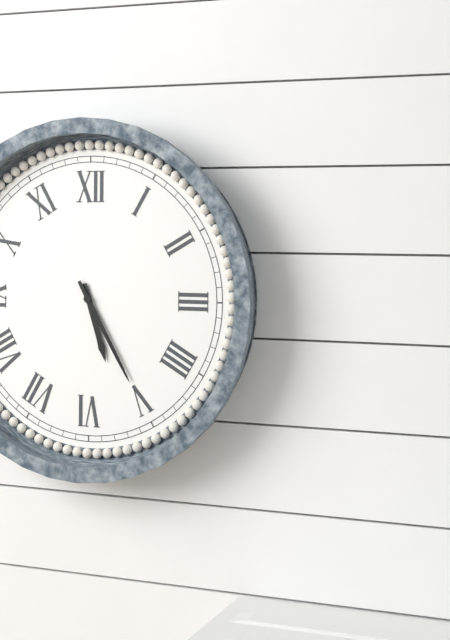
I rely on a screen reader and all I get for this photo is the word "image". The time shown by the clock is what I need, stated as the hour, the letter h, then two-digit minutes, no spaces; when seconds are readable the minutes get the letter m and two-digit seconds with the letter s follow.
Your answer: 5h25
